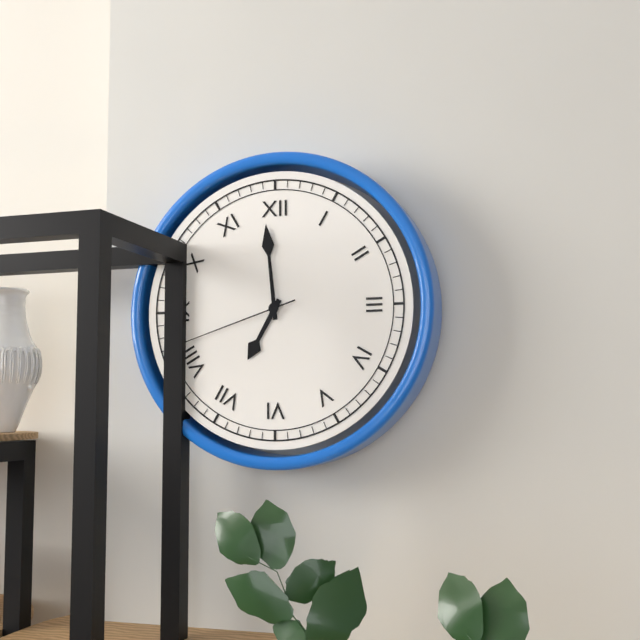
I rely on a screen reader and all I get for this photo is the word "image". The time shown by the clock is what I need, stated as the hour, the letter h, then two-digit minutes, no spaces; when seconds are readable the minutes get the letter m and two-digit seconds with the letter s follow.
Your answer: 6h59m42s
